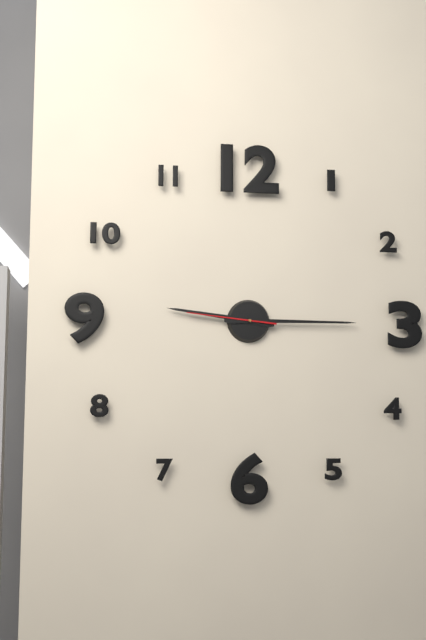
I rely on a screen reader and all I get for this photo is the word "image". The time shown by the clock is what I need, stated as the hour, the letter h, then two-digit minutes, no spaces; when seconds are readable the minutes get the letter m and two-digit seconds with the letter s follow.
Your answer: 9h15m46s
